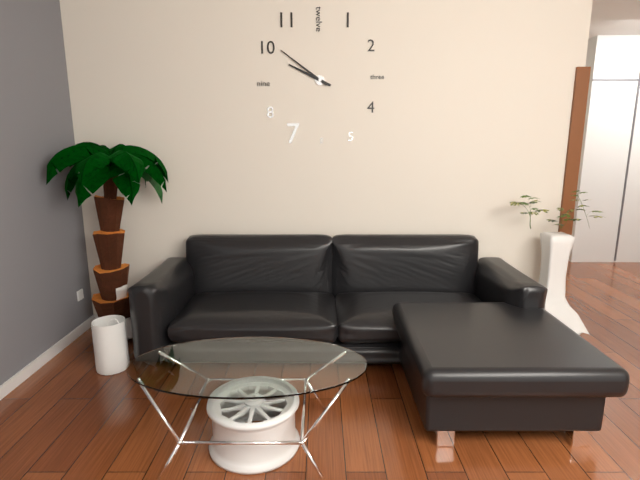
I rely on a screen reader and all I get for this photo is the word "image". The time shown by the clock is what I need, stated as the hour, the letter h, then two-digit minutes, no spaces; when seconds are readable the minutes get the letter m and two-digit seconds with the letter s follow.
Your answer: 9h51
